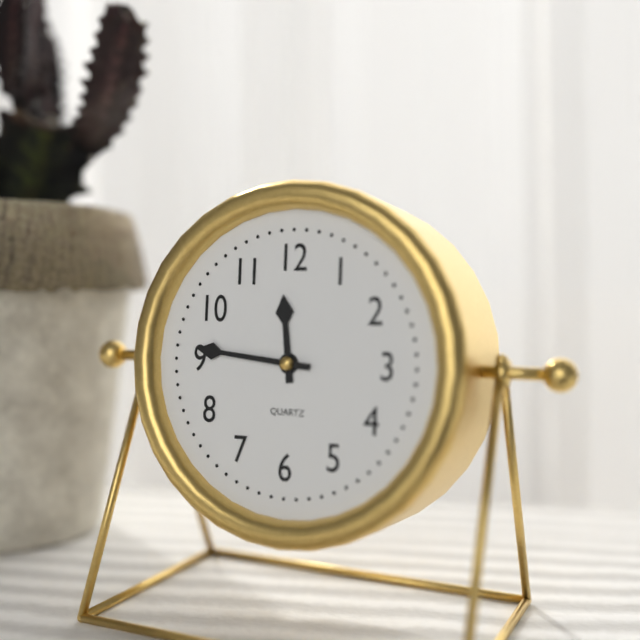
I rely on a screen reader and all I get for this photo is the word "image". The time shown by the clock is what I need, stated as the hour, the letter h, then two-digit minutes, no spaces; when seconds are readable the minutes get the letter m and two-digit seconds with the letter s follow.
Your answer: 11h46
